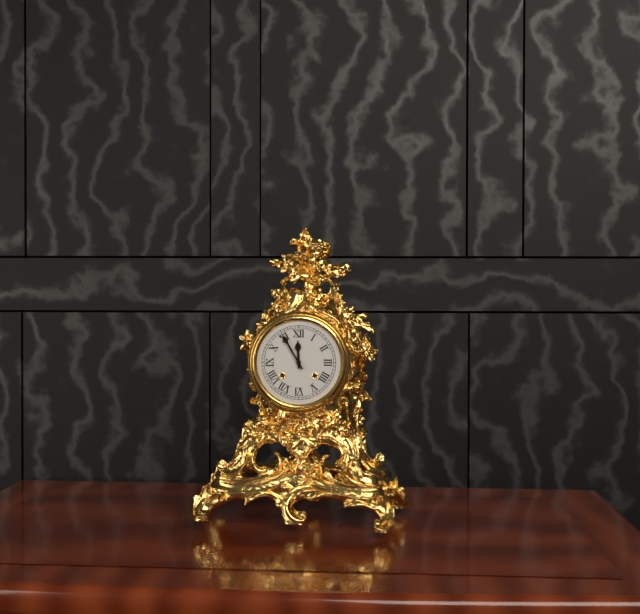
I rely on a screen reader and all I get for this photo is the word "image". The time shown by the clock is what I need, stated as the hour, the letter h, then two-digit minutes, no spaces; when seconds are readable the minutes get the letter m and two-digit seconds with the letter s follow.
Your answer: 11h55
